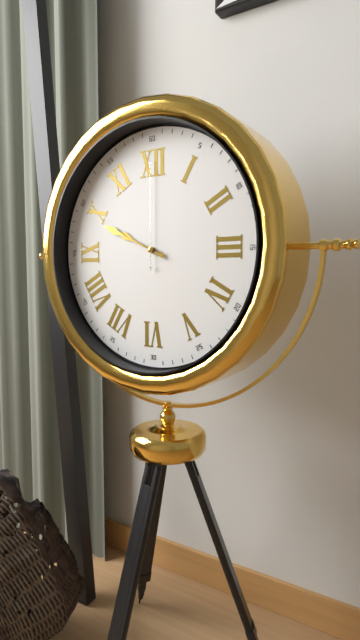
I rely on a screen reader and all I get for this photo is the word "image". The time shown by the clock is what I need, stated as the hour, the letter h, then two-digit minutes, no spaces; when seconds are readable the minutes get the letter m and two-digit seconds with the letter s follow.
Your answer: 9h49m00s
